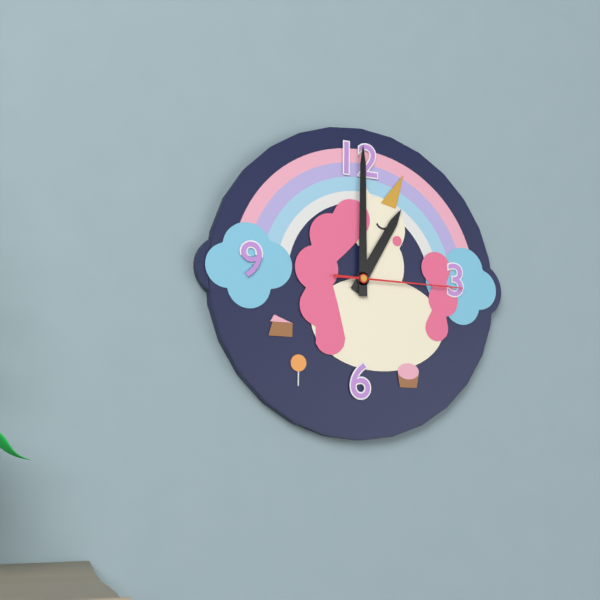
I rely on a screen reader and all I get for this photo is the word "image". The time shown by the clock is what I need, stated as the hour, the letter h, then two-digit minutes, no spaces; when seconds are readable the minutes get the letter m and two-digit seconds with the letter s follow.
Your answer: 1h00m15s
